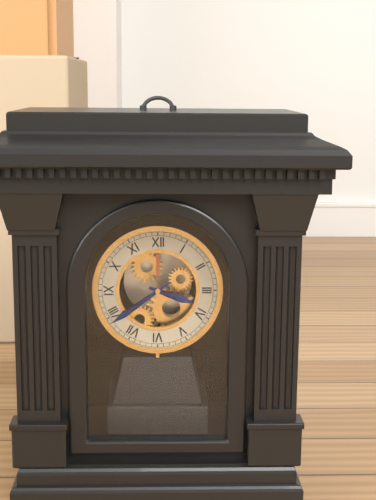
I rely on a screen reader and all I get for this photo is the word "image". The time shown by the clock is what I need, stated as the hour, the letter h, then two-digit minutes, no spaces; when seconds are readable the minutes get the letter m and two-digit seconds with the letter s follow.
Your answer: 3h39
